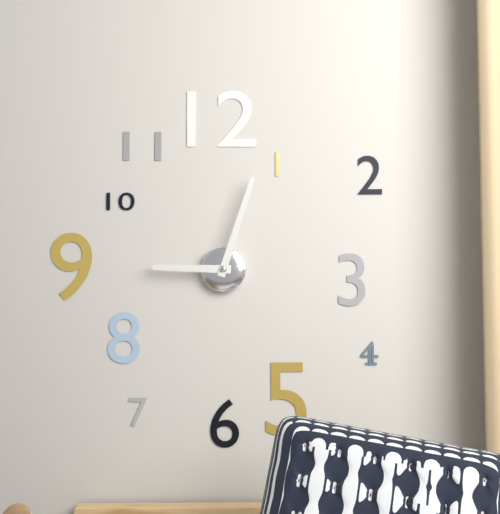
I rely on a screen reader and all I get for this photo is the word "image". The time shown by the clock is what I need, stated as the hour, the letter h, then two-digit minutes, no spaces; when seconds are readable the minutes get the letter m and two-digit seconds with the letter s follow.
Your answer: 9h03
